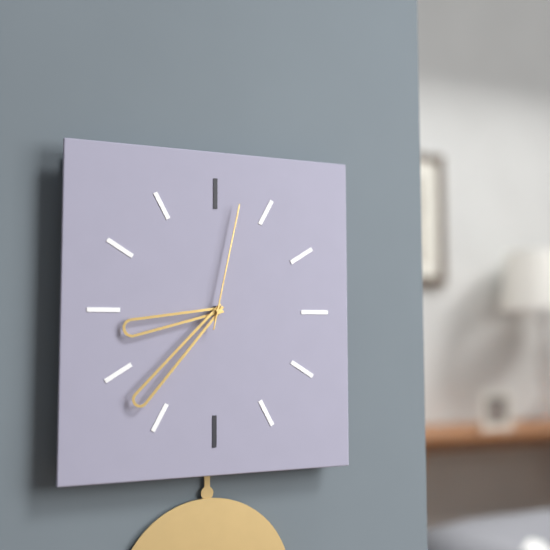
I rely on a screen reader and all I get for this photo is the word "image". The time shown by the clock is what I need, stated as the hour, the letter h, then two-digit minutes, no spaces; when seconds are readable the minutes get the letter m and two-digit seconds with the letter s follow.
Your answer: 8h37m02s
